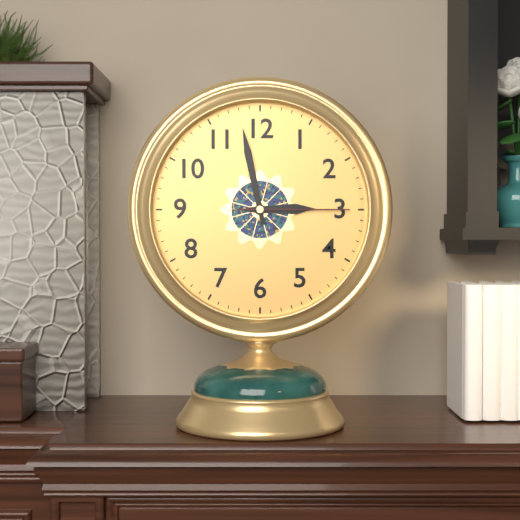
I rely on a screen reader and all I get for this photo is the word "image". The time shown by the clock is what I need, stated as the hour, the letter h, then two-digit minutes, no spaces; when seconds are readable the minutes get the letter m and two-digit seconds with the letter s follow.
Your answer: 2h58m15s
